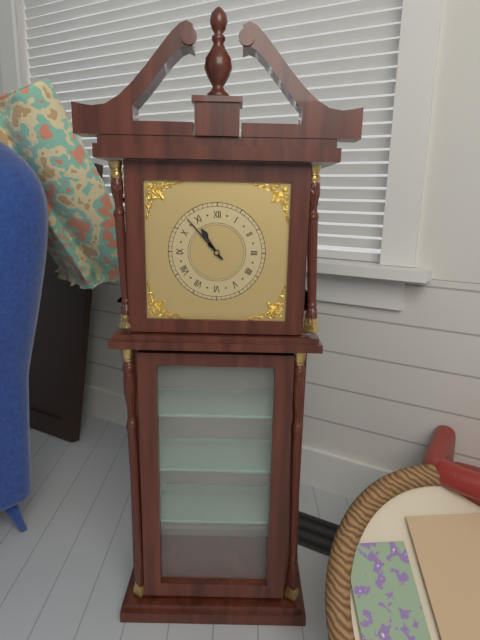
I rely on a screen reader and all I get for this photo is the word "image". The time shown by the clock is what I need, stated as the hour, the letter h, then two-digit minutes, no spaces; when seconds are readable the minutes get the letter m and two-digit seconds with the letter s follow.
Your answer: 10h53
